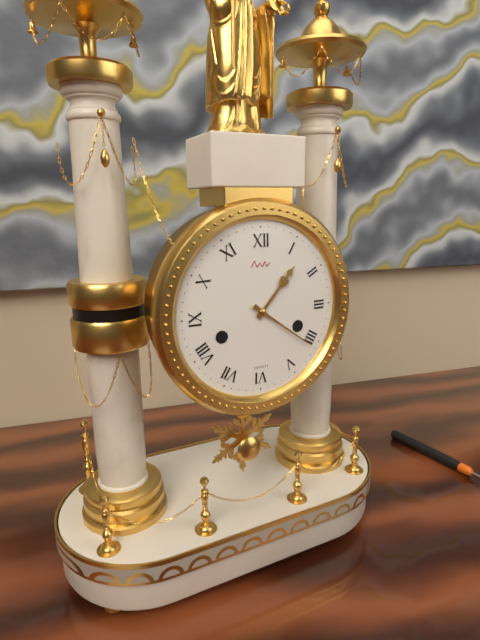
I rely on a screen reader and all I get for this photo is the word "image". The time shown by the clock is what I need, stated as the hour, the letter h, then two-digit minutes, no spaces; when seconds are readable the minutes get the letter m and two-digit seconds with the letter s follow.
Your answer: 1h21
